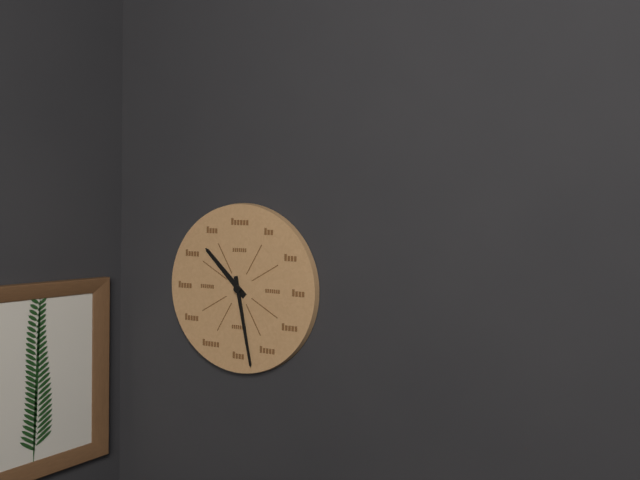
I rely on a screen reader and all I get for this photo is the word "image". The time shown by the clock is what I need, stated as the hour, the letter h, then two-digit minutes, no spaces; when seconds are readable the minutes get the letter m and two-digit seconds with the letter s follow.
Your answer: 10h28
